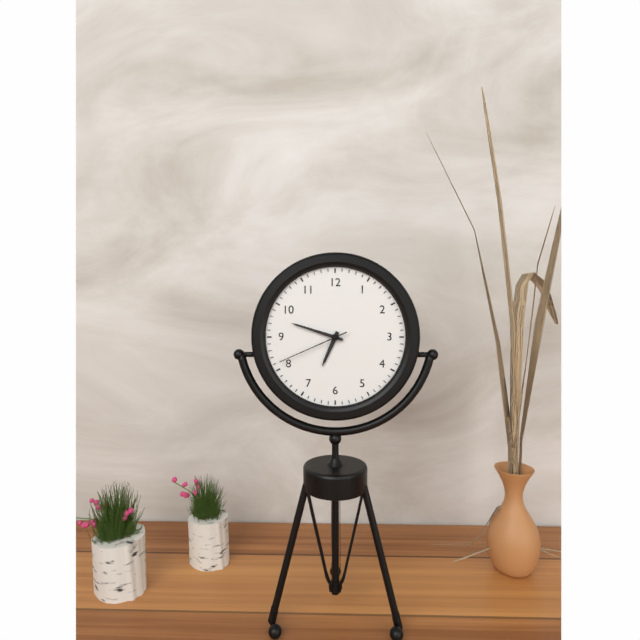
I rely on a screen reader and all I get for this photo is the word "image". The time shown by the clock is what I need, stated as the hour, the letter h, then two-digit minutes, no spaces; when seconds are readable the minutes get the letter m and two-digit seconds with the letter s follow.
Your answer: 6h48m41s
